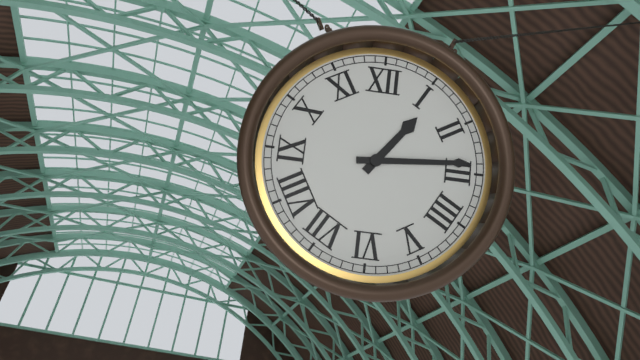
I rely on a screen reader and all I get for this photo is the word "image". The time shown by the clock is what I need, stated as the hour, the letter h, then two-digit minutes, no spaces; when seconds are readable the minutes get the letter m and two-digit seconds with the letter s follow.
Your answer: 1h14
